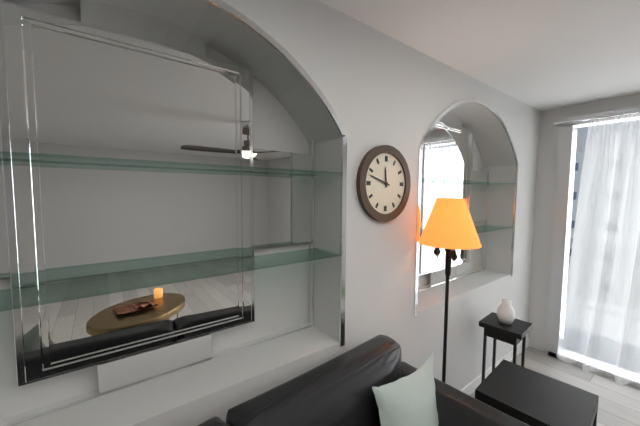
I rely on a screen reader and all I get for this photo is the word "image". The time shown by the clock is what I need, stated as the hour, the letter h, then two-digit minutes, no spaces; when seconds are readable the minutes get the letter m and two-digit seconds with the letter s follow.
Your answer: 11h48
